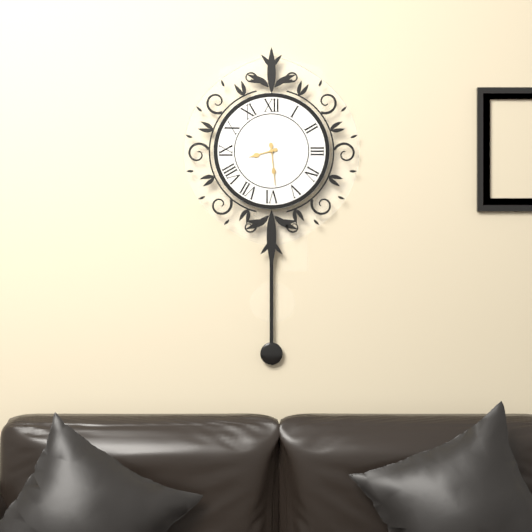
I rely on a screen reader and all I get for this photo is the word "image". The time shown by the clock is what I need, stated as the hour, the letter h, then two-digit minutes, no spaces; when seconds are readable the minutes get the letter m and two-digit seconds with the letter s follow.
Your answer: 8h29
